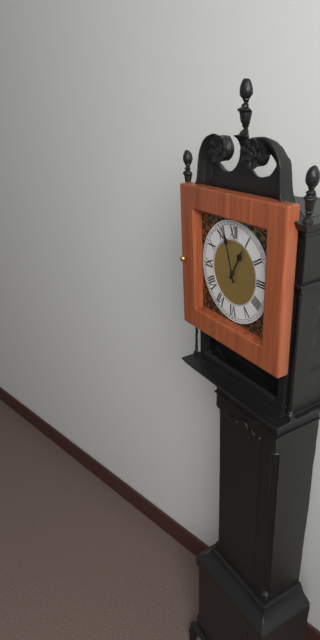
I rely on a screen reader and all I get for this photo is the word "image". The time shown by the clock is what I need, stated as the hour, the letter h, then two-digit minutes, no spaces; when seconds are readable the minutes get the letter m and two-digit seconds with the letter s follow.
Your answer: 12h57
